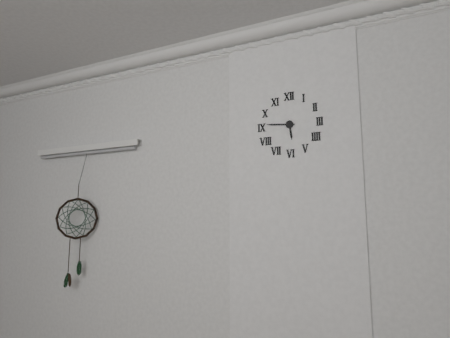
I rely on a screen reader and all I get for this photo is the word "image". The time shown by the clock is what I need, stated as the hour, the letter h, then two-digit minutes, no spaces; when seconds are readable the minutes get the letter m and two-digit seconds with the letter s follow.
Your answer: 5h46
